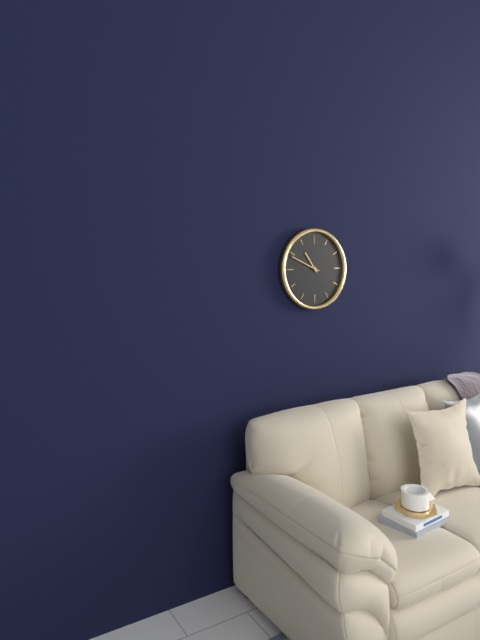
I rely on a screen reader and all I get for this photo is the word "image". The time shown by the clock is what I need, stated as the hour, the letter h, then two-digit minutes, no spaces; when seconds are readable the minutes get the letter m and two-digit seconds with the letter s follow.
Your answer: 10h49
